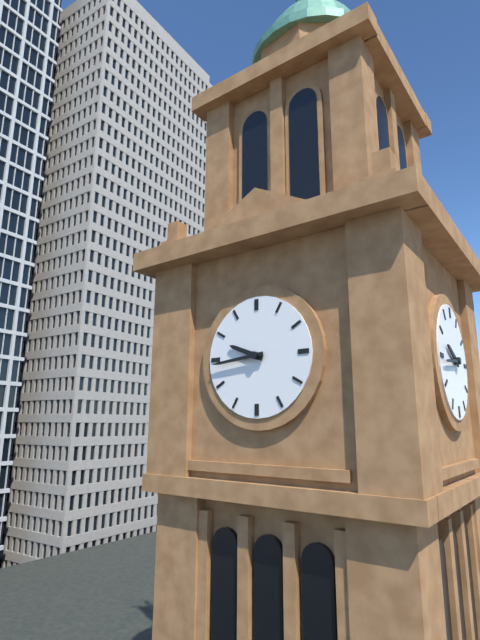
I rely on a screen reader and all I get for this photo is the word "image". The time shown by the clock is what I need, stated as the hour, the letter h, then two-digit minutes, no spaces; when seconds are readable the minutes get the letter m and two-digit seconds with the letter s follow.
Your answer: 9h44
